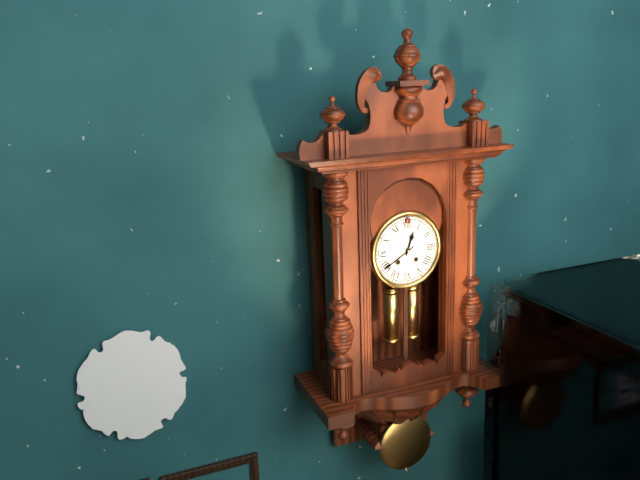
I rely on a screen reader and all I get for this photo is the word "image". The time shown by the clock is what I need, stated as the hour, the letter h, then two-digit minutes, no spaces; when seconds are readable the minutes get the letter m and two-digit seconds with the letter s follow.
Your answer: 12h40
